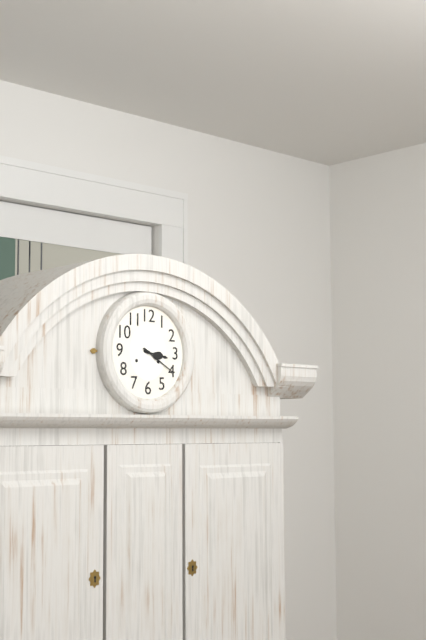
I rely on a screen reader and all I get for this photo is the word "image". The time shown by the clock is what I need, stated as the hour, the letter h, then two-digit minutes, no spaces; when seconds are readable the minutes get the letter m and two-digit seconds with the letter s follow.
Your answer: 3h20
